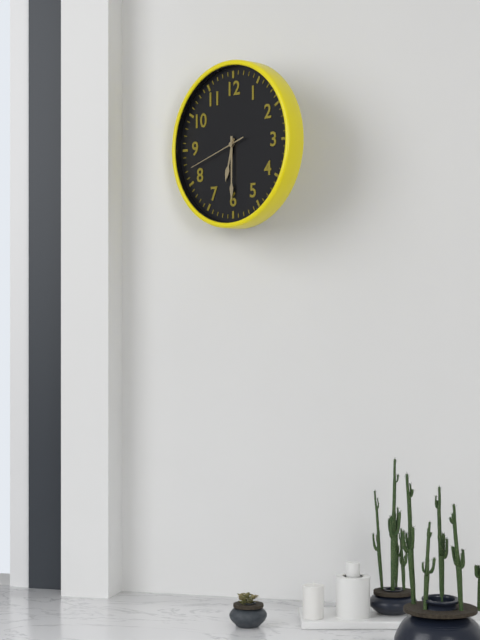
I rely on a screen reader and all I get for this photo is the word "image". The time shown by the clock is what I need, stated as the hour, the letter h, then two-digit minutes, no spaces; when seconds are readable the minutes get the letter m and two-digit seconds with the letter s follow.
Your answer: 6h30m42s
